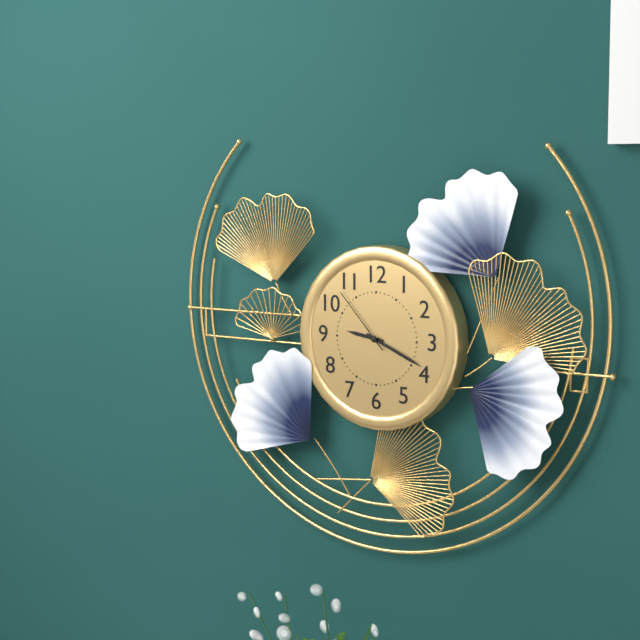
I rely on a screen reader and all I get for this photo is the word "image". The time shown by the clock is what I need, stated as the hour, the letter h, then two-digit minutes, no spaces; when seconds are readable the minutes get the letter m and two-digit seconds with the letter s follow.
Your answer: 9h19m53s
